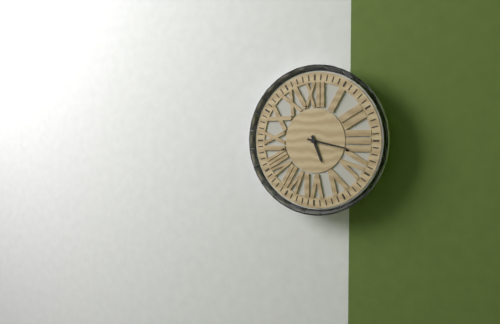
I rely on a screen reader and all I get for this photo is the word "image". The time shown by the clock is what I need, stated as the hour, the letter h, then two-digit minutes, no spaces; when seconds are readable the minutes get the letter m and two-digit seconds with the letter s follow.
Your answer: 5h17
